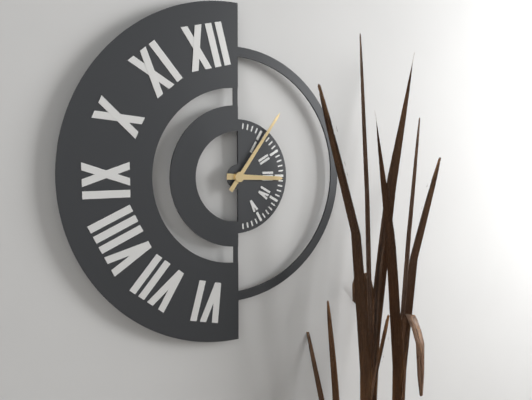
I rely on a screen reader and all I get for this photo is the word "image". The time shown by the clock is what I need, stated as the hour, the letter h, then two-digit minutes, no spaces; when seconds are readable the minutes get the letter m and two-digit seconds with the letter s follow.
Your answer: 3h06
